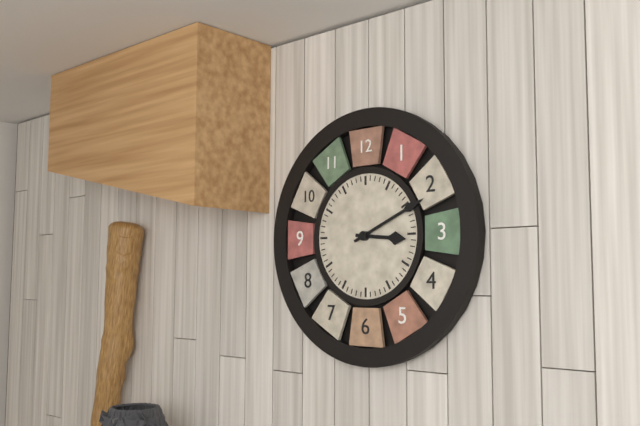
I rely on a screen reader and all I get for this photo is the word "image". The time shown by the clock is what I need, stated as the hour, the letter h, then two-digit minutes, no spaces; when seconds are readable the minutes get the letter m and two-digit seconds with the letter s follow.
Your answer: 3h11
